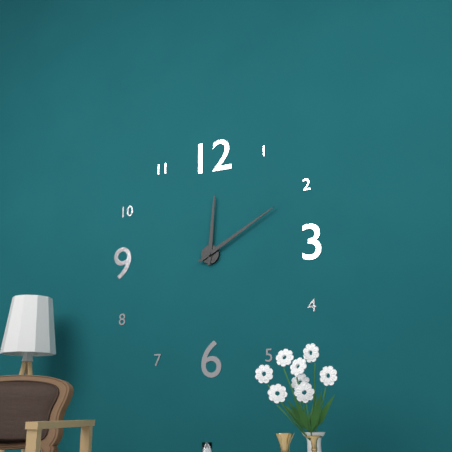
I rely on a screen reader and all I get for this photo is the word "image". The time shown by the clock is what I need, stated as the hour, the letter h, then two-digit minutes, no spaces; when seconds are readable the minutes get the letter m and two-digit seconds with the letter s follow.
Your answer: 12h10
